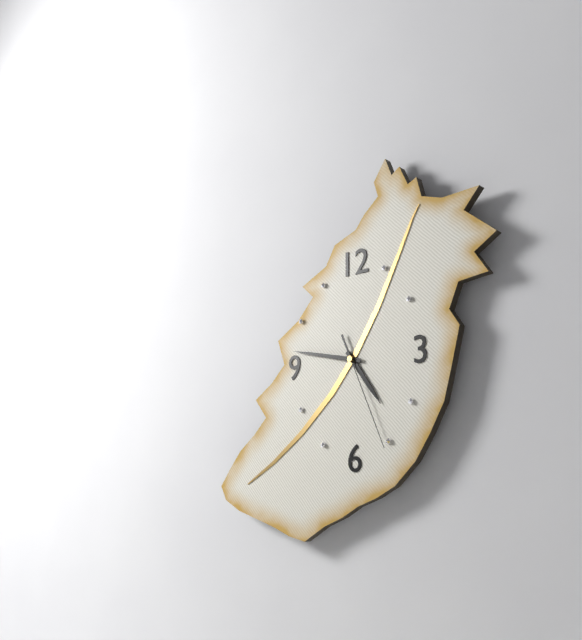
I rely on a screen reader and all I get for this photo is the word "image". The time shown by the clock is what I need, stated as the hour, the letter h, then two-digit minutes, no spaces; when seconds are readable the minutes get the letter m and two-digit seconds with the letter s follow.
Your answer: 4h47m26s
